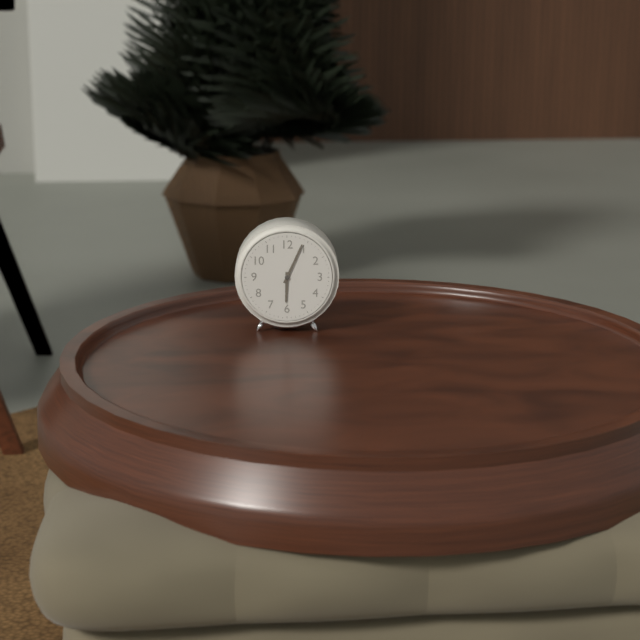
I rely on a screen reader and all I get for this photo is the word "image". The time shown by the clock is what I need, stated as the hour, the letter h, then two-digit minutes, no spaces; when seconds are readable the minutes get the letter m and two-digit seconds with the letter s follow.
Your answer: 6h04
